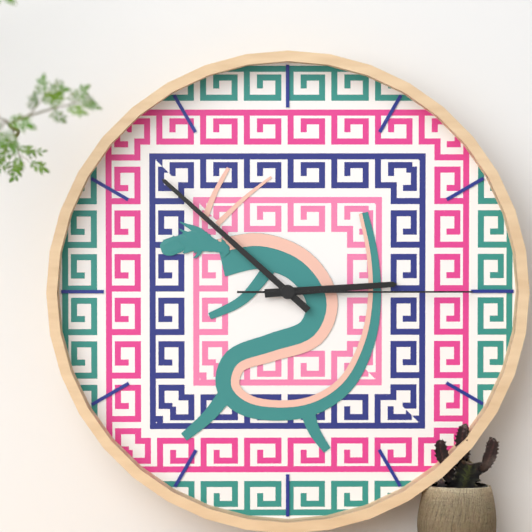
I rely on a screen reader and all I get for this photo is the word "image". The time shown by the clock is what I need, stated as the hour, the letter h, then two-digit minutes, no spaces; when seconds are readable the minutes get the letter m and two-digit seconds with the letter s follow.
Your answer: 2h52m15s
